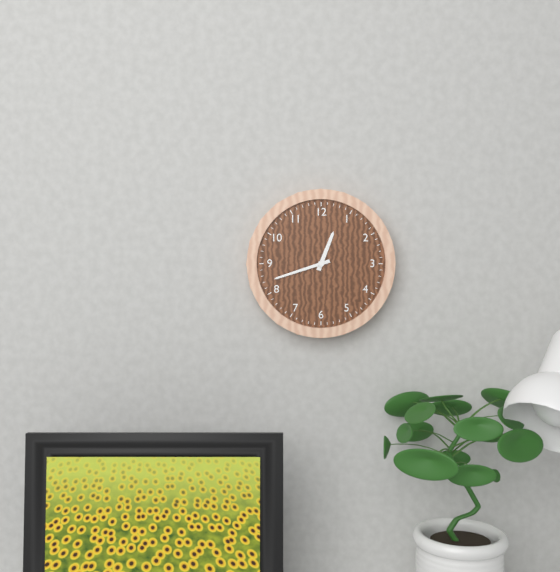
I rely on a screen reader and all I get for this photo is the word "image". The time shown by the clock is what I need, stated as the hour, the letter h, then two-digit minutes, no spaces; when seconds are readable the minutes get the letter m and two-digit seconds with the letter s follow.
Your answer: 12h42
